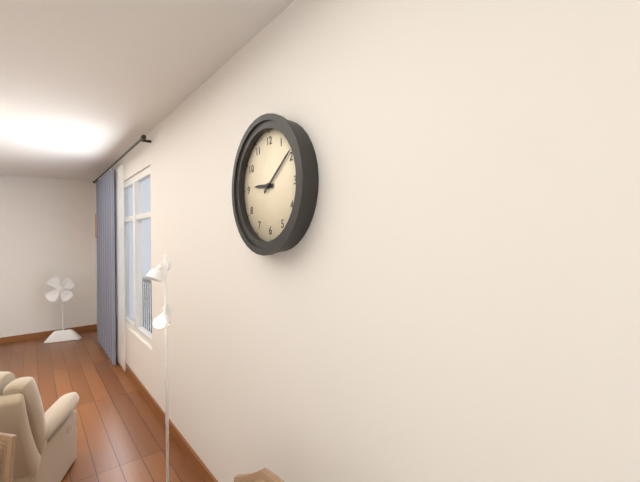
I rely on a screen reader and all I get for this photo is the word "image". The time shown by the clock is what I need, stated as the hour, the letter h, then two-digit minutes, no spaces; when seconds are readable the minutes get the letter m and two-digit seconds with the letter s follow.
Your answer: 9h09
